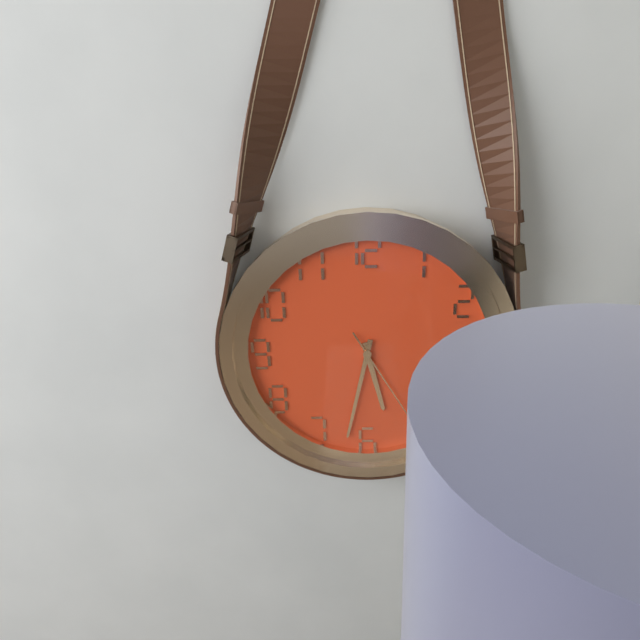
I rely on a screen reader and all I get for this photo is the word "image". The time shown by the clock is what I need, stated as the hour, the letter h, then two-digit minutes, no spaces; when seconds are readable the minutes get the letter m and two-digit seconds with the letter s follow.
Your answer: 5h32m25s
